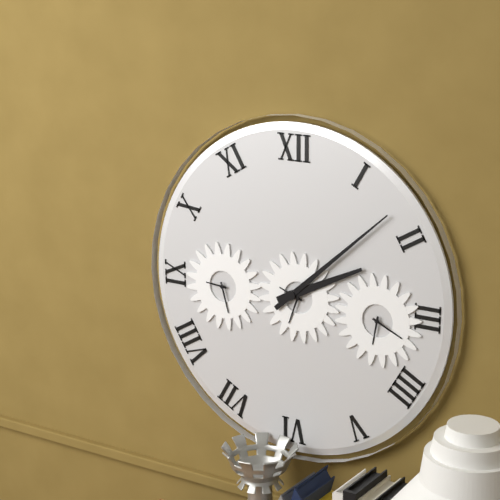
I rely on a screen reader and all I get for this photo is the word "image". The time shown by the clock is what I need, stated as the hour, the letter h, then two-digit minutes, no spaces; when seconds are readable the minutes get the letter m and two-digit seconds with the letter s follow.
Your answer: 2h08
